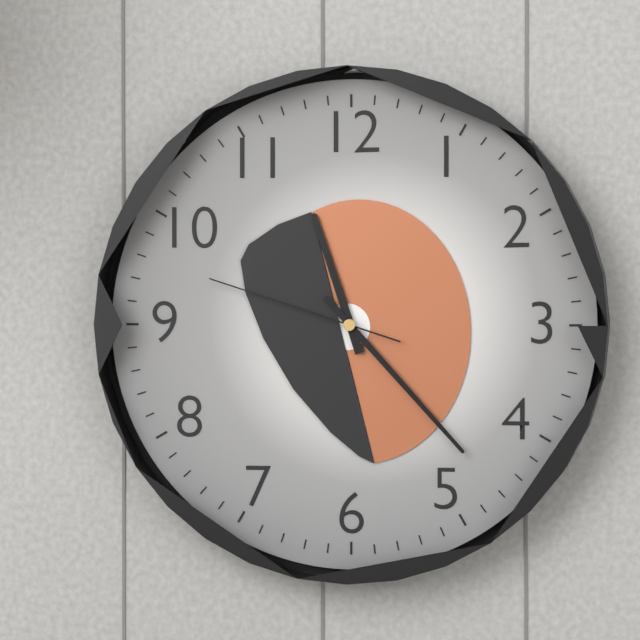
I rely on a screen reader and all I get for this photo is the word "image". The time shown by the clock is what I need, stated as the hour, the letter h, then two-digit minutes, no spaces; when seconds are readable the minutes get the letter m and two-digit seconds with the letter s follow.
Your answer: 11h23m48s
